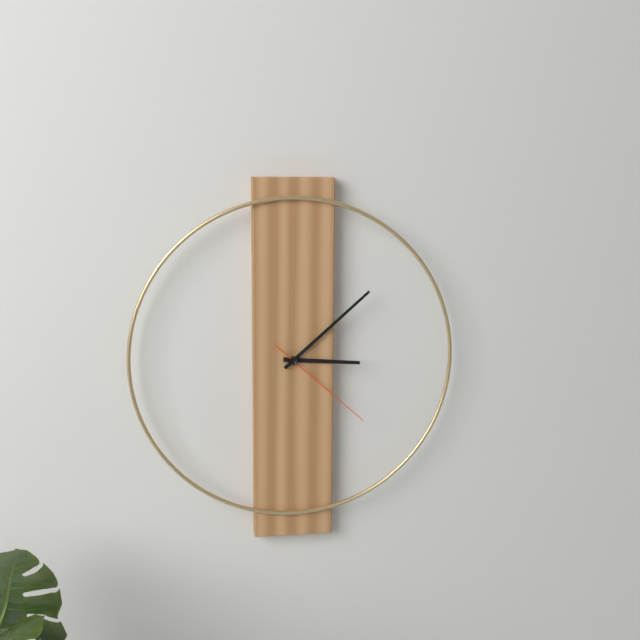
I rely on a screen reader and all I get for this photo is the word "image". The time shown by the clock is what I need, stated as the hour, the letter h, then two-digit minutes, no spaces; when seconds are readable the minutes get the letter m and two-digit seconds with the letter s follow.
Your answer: 3h08m22s
